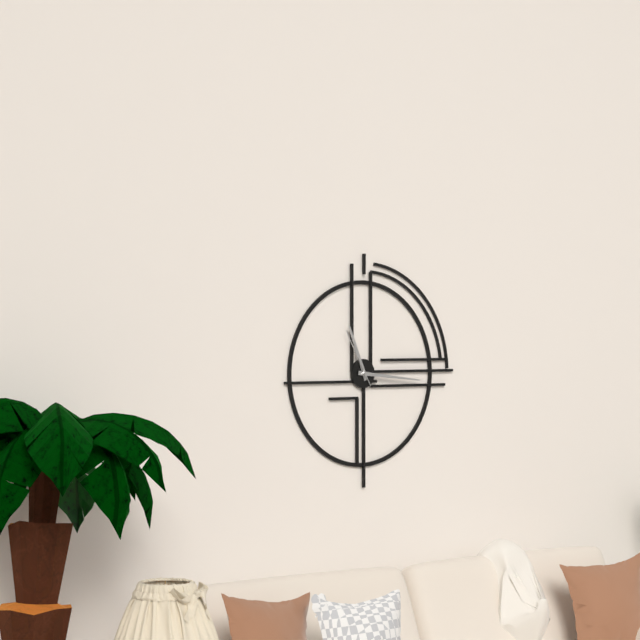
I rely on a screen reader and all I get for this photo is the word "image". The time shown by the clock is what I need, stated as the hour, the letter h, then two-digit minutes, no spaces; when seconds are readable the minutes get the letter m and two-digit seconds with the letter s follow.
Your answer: 11h16m55s
